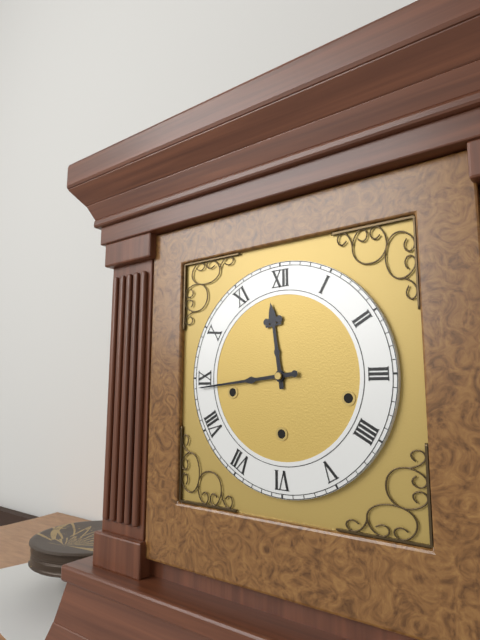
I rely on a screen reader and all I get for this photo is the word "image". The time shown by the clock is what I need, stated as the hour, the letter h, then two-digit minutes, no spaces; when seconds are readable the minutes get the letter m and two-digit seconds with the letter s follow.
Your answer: 11h44
